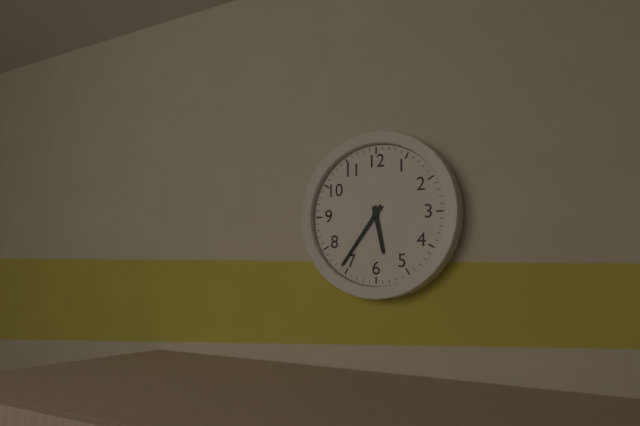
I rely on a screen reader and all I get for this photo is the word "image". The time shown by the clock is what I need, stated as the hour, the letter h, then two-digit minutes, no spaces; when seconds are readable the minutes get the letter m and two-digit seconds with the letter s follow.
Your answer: 5h36
